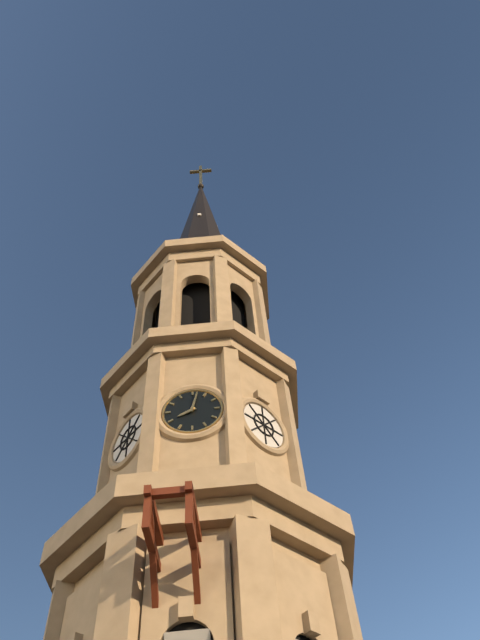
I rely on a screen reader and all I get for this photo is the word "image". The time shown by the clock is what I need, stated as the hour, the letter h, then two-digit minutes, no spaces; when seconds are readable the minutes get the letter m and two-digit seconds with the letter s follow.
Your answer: 8h02
